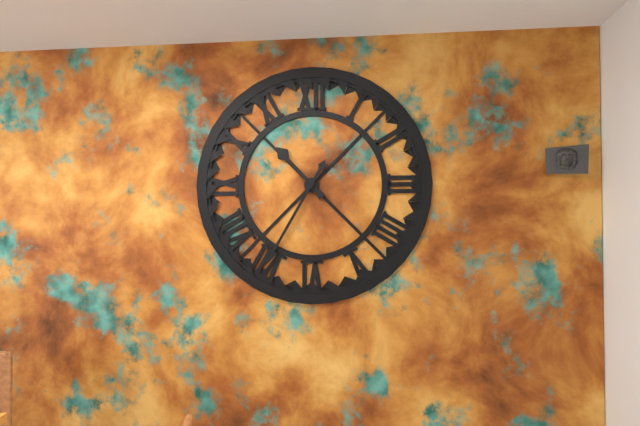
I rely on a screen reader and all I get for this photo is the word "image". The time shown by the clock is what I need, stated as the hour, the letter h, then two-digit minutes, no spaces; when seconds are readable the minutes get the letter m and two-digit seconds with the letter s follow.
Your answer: 10h35
